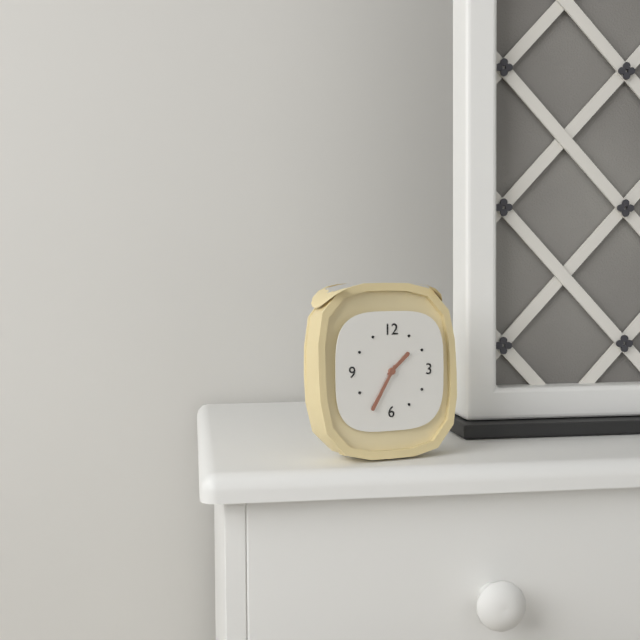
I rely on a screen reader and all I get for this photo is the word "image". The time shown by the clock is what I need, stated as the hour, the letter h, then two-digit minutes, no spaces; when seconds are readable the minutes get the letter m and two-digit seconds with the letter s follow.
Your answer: 1h35
